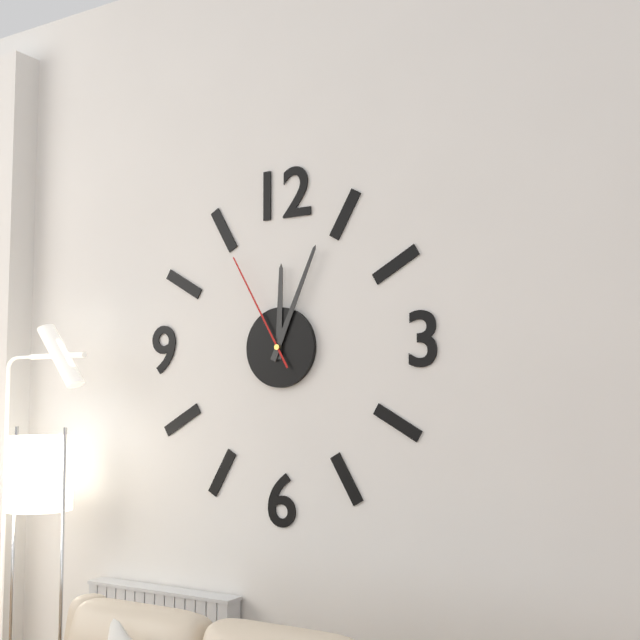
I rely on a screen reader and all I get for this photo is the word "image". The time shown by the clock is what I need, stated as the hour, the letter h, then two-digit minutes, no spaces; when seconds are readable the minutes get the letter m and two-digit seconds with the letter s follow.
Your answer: 12h04m55s
